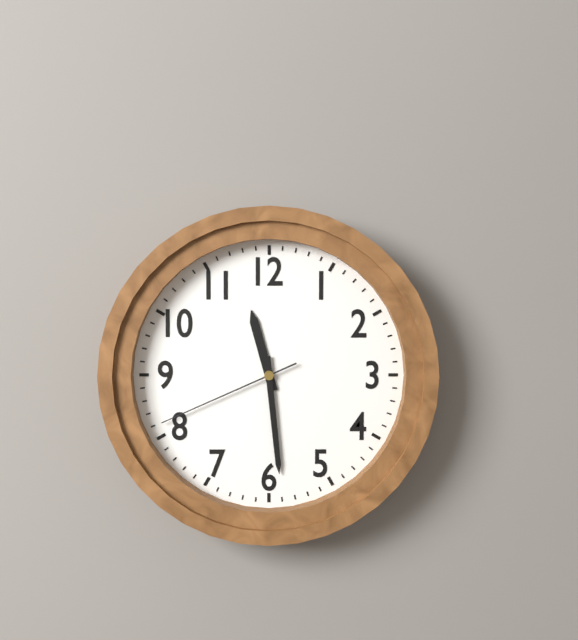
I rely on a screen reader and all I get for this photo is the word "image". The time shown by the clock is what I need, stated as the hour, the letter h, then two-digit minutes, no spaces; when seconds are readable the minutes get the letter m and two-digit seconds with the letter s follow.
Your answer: 11h29m41s
